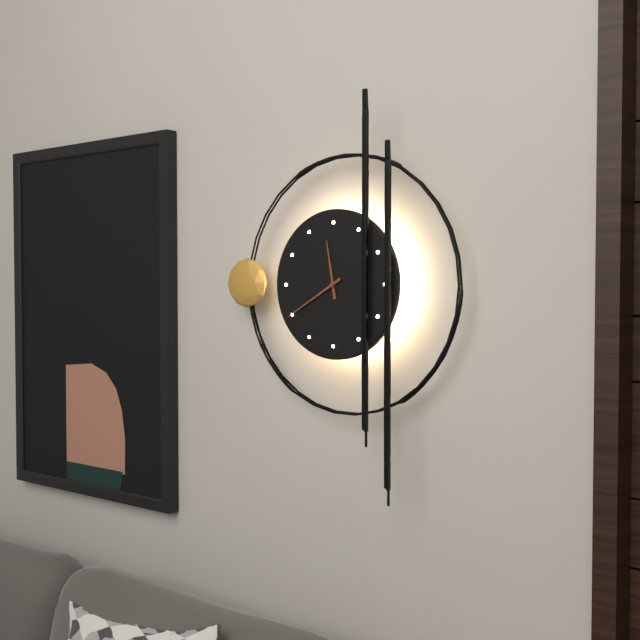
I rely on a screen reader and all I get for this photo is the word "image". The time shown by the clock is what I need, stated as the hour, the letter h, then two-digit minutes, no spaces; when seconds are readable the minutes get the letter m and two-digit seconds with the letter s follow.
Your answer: 11h40
